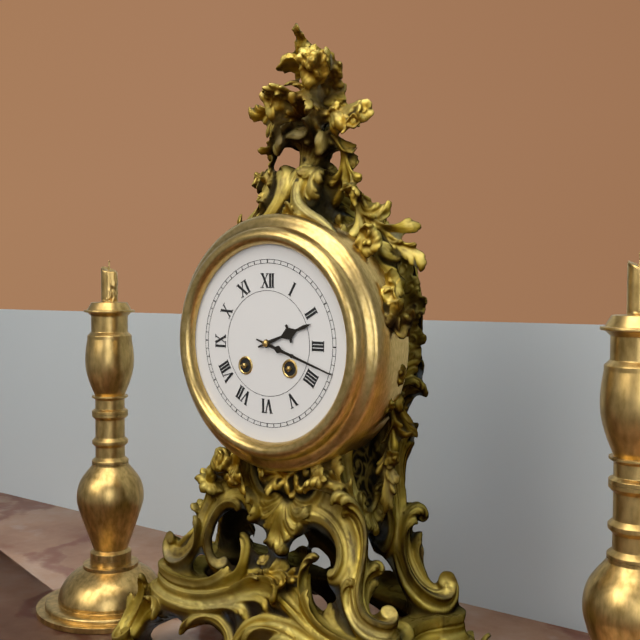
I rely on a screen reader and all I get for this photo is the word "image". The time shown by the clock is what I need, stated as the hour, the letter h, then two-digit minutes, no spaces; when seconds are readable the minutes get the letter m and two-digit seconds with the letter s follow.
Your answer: 2h18
